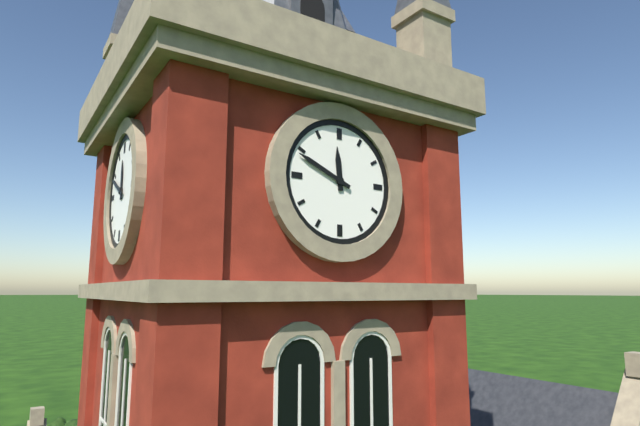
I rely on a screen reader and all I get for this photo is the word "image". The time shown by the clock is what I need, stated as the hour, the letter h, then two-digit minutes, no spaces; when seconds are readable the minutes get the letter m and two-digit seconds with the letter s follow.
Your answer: 11h49
